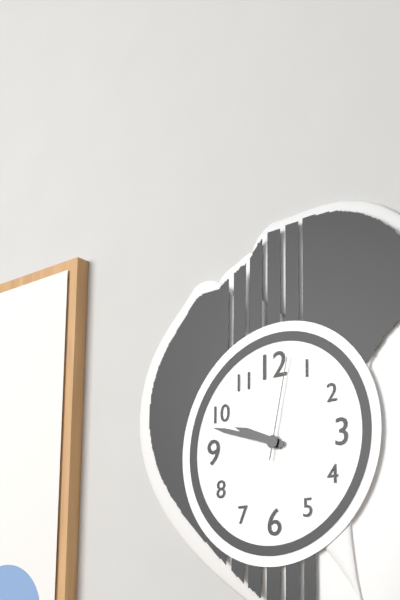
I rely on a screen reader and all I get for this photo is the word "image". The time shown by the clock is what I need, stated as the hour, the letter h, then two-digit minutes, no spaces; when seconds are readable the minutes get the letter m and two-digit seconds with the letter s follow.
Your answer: 9h48m02s
